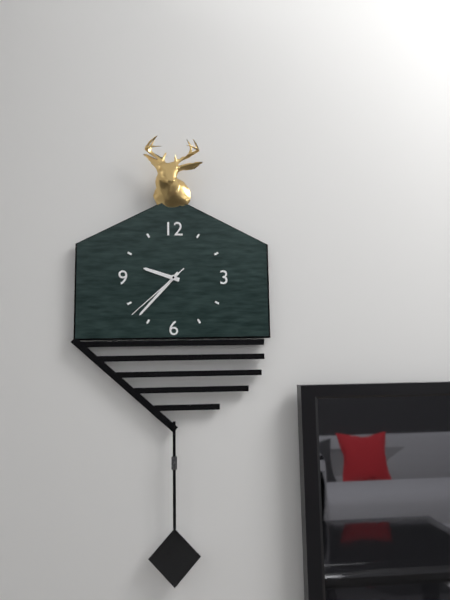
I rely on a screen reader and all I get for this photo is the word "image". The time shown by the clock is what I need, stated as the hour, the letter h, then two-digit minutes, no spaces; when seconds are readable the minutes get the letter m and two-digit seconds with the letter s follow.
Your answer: 9h37m38s
